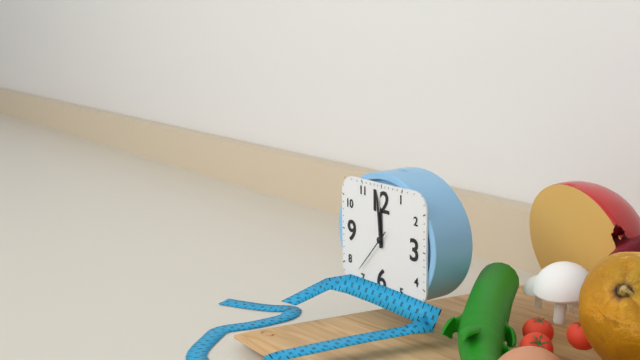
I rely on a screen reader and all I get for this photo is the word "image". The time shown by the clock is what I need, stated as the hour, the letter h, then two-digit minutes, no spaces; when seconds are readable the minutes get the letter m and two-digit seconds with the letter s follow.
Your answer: 11h59
